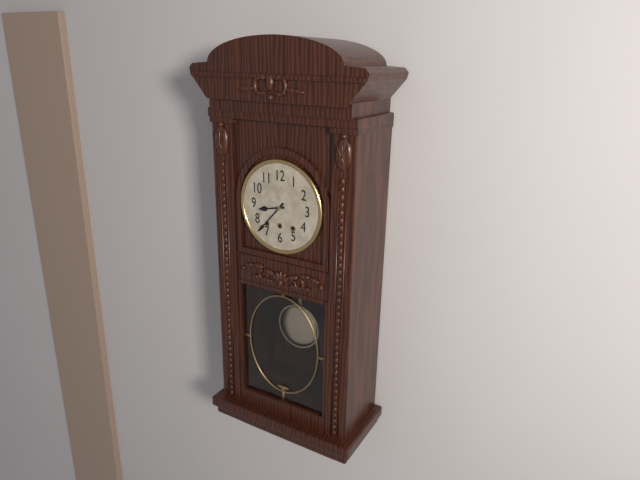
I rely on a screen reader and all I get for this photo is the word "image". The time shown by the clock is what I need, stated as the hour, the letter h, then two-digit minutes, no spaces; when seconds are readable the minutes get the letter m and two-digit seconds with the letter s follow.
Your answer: 8h37
